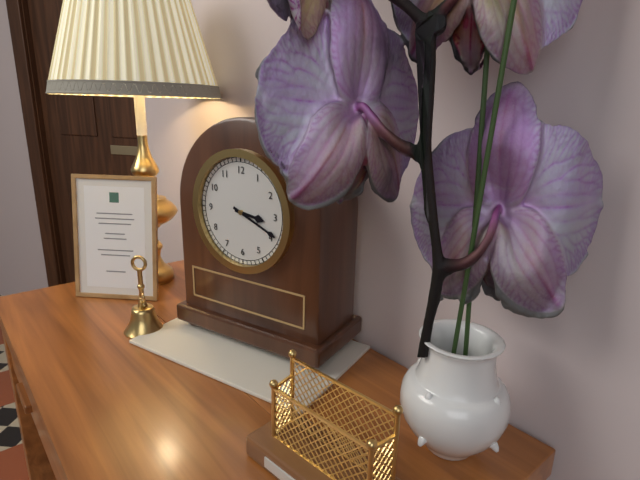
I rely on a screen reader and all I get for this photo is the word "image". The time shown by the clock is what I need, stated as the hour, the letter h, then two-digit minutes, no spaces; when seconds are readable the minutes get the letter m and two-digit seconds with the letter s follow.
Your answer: 3h19
